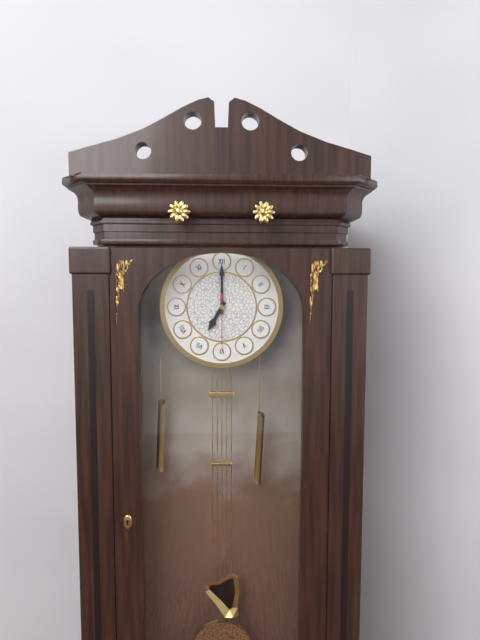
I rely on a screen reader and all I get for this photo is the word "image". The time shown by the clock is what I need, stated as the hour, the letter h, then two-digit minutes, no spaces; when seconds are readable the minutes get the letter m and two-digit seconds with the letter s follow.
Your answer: 7h00m30s
